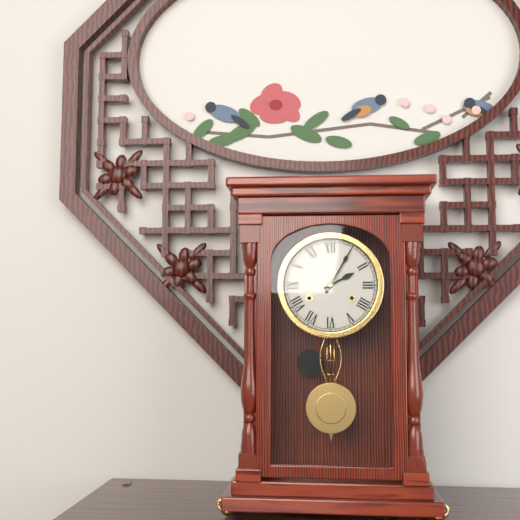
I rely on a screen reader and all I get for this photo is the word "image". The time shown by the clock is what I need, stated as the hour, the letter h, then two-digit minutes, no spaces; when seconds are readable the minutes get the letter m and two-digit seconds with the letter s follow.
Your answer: 2h05
